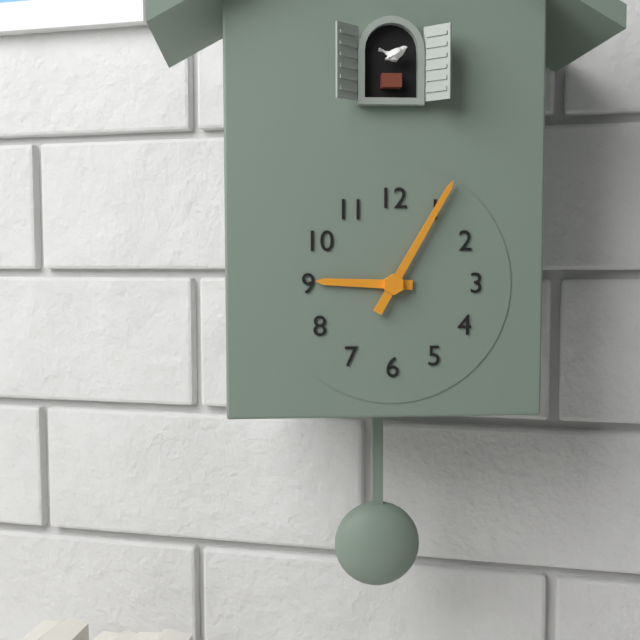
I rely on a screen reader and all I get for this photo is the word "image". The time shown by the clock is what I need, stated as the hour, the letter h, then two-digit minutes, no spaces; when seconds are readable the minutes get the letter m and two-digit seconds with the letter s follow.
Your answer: 9h05
